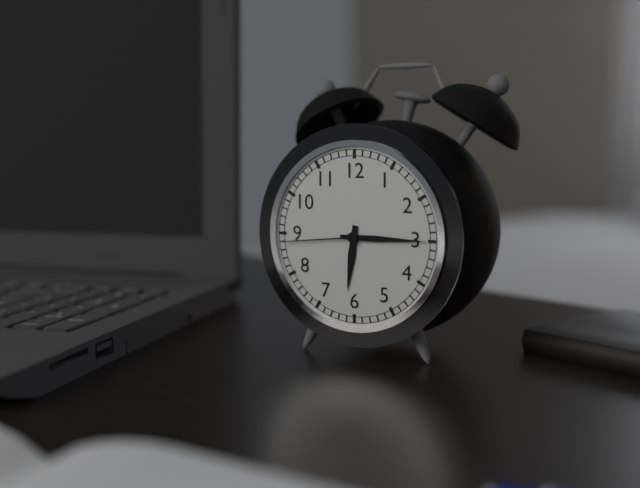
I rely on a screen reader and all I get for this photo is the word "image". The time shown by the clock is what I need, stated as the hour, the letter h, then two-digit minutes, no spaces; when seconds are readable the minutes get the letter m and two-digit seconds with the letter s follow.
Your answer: 6h15m44s
